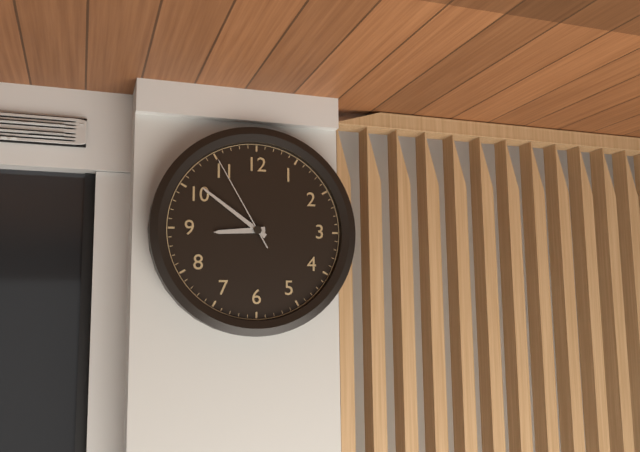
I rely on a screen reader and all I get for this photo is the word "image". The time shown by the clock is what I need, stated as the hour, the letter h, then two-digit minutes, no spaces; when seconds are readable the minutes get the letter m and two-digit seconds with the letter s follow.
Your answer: 8h51m55s
